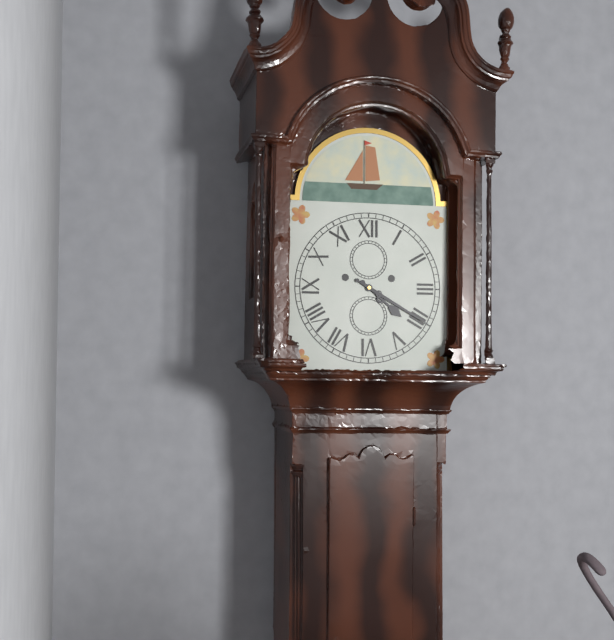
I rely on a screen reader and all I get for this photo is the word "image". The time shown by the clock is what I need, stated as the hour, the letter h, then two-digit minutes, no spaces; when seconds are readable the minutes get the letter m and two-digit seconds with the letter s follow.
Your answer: 4h20
